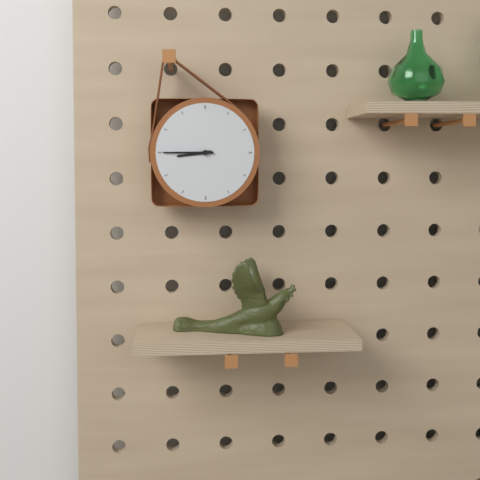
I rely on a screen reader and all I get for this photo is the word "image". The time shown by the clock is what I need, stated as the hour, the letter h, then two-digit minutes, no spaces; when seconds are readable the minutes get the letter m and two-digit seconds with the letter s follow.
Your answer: 8h45
